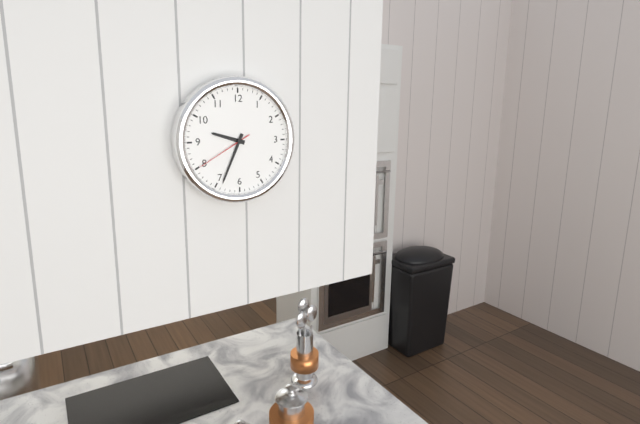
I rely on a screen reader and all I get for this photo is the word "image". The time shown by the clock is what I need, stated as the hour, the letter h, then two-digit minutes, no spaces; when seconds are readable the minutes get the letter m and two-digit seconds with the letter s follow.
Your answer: 9h34m40s
